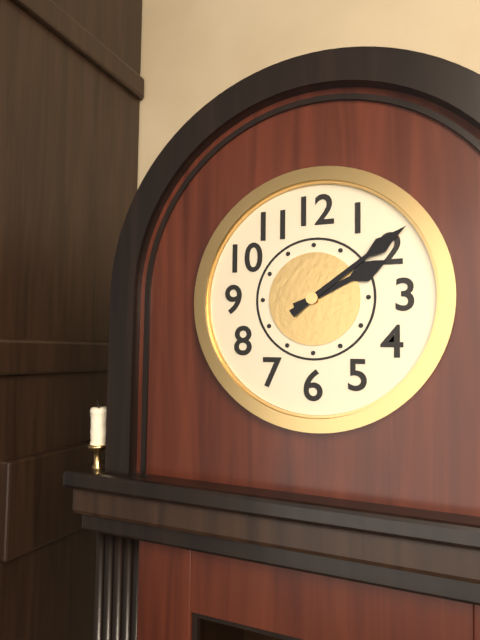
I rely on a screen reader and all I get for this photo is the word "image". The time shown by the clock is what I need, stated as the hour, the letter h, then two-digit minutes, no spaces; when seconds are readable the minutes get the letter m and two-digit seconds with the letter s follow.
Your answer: 2h09
